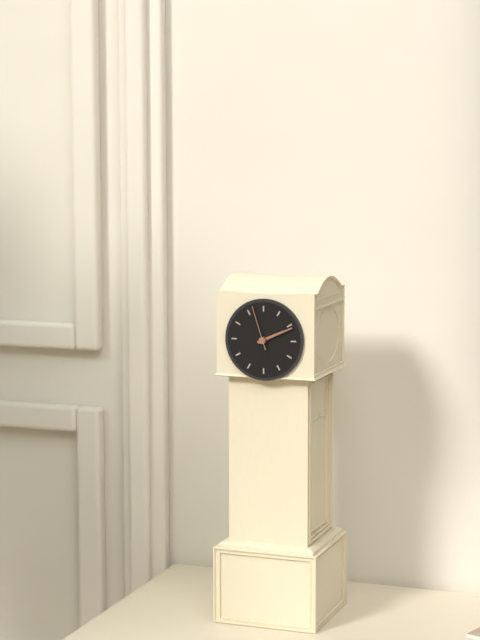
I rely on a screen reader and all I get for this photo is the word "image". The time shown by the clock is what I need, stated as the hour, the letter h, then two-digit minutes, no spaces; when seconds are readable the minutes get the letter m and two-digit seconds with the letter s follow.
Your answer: 2h11
